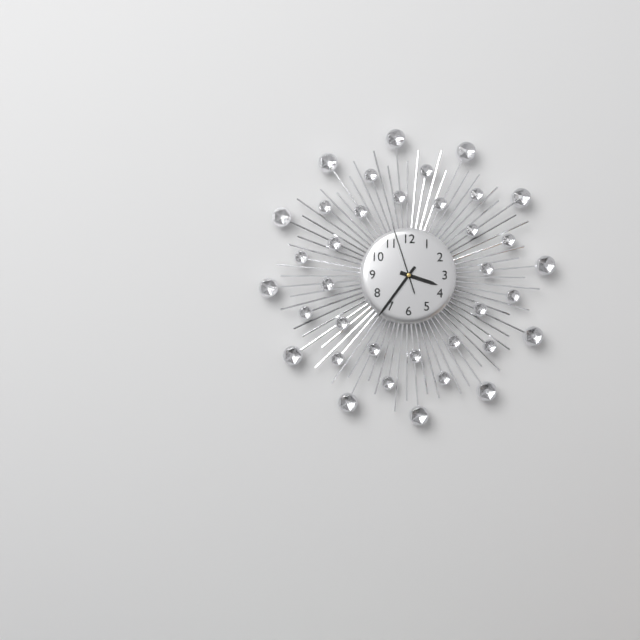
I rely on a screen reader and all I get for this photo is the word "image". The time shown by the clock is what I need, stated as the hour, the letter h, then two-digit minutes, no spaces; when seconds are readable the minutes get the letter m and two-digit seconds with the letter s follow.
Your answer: 3h36m57s
